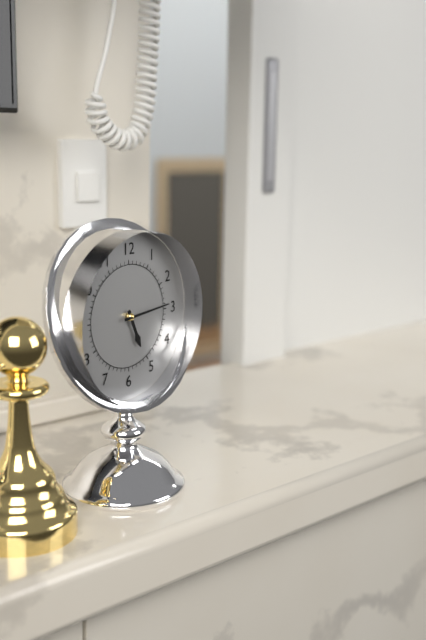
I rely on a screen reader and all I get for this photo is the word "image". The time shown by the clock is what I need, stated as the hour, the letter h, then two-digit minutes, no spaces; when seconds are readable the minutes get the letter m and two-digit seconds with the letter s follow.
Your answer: 5h14
